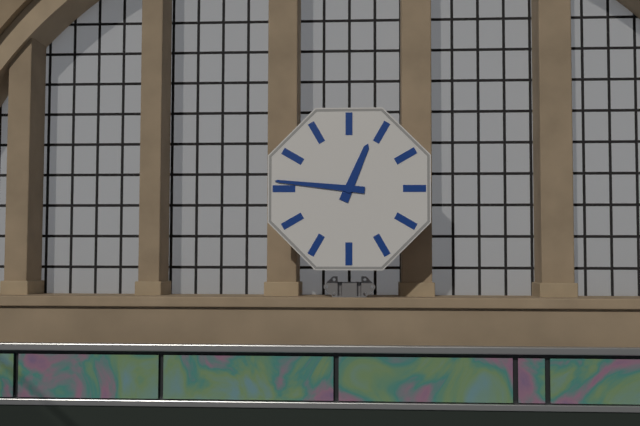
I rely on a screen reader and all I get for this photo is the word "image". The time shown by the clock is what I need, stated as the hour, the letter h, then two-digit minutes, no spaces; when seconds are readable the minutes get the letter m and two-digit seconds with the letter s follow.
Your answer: 12h46
